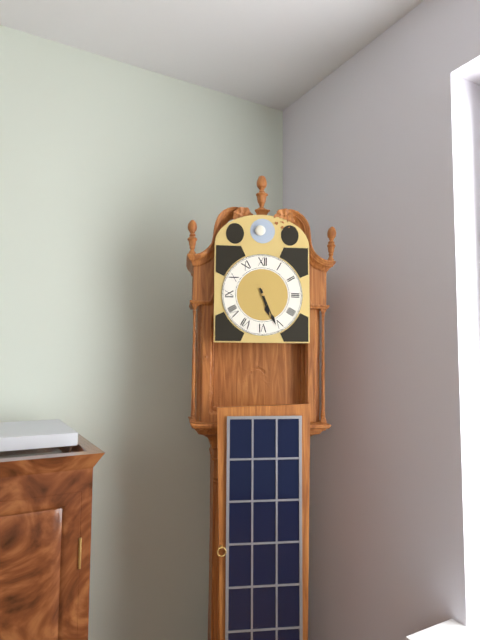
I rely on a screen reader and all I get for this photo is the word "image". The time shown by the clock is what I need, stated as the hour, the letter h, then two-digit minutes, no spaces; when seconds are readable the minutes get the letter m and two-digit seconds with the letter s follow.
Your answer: 5h26
